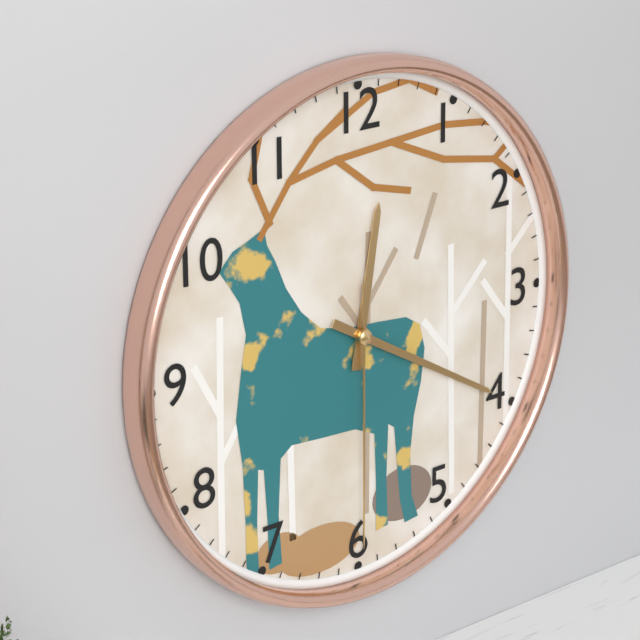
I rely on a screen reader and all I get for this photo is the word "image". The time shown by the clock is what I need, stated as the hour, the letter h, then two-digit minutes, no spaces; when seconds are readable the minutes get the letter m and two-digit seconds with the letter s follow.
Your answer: 12h20m30s
